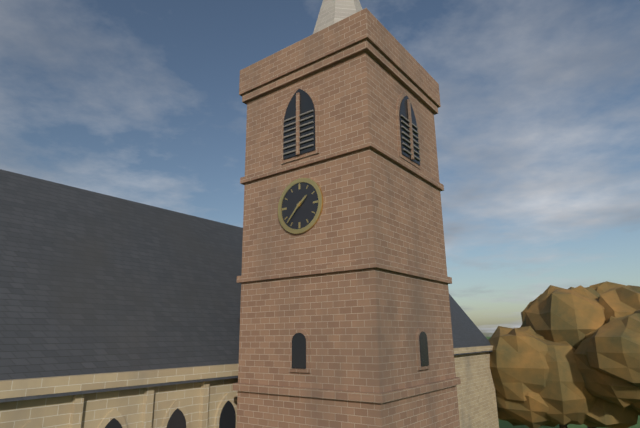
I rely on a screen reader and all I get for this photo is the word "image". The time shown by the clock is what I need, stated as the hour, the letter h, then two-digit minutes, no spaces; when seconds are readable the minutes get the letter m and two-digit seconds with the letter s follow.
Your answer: 1h37
